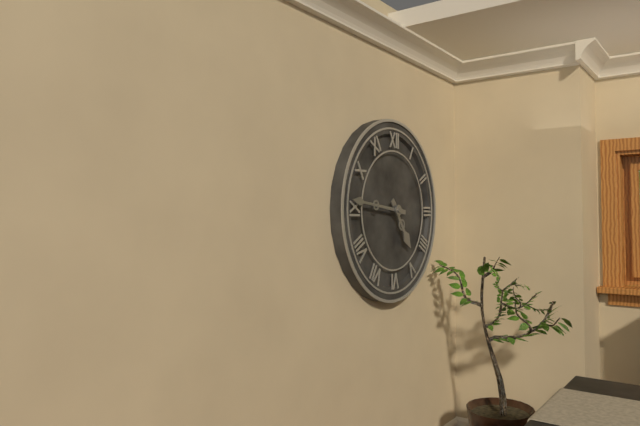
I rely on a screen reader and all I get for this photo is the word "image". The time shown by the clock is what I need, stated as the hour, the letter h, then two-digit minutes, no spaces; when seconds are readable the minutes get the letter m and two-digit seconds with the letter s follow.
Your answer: 4h46
